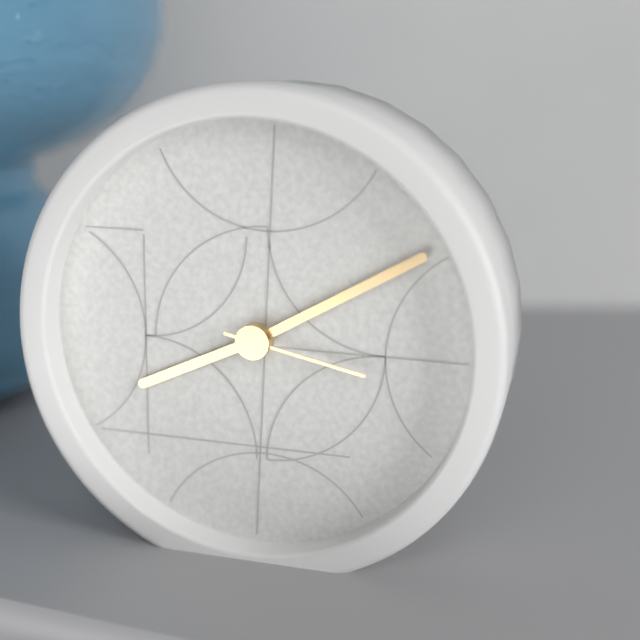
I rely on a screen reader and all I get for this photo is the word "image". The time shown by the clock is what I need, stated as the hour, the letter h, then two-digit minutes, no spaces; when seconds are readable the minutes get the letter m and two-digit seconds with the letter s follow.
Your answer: 8h10m17s
